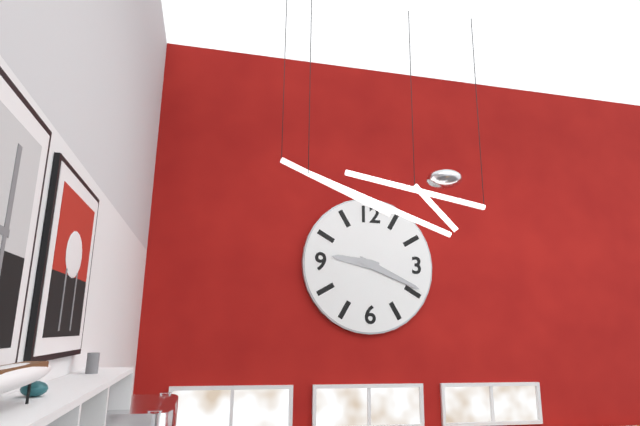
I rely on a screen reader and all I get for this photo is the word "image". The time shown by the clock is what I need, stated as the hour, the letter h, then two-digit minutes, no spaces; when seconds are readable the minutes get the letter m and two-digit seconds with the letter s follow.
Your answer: 9h19
